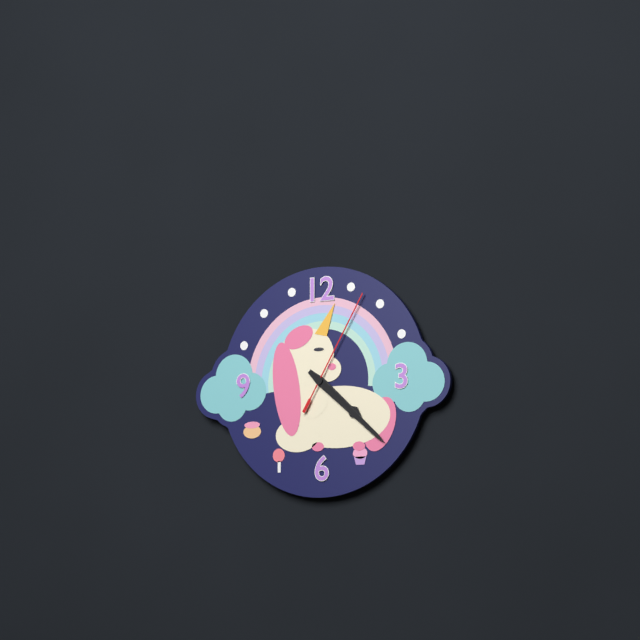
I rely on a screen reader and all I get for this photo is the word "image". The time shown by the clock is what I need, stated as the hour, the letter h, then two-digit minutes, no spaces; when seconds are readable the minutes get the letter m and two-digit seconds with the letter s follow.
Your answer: 4h22m05s
